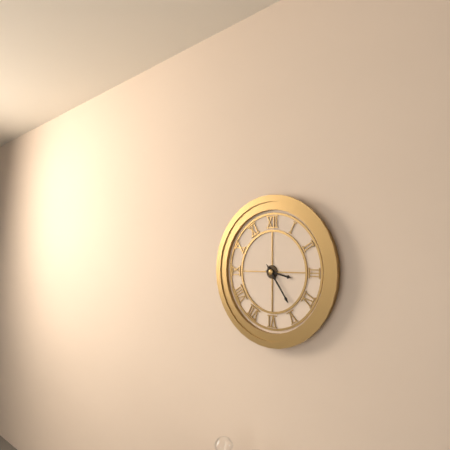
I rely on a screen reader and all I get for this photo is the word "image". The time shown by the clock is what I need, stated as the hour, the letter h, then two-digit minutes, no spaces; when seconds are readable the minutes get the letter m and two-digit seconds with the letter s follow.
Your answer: 3h24
